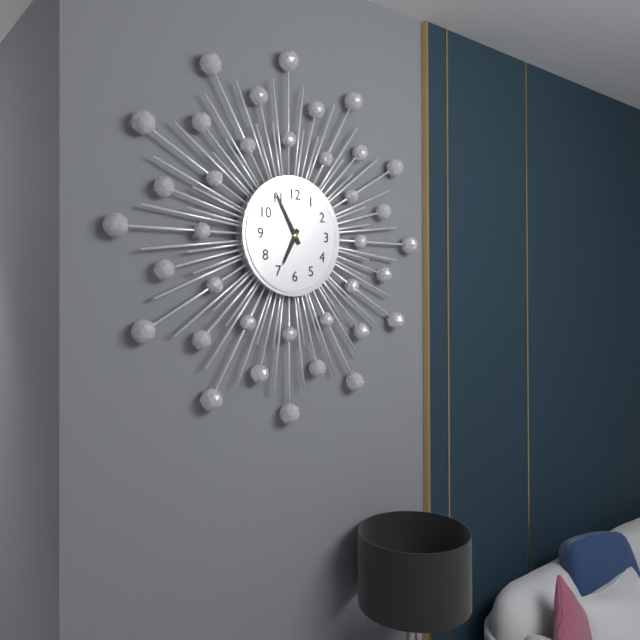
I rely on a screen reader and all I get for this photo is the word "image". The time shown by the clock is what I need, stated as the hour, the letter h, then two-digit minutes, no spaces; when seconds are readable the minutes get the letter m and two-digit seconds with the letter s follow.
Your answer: 6h55
